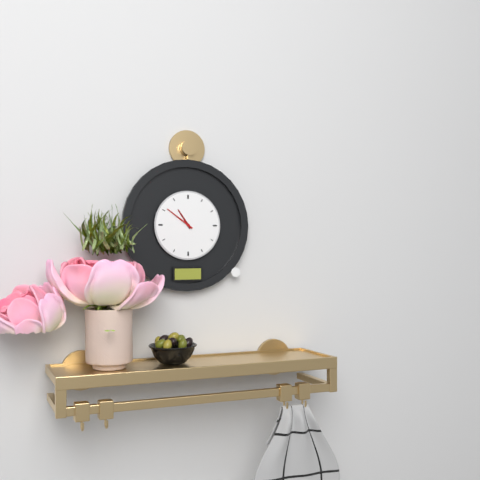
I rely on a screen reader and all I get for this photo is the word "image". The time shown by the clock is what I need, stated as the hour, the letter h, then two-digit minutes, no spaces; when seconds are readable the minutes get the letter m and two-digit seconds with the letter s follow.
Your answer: 10h51
